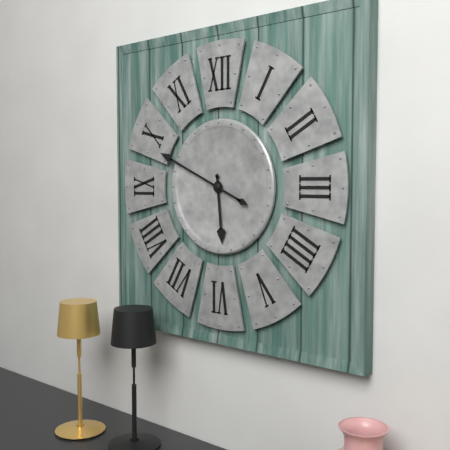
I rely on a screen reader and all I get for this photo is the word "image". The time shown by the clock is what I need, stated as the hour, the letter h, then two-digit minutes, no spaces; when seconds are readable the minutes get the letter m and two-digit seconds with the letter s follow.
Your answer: 5h49
